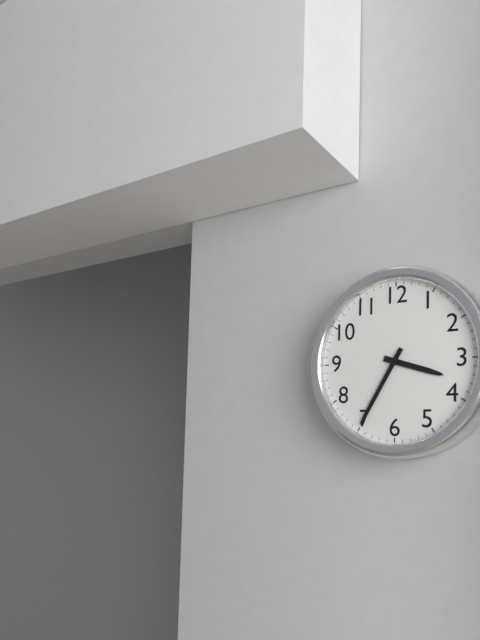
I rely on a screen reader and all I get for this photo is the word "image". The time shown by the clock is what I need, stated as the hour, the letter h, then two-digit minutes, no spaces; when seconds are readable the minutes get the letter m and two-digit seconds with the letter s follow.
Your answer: 3h35
